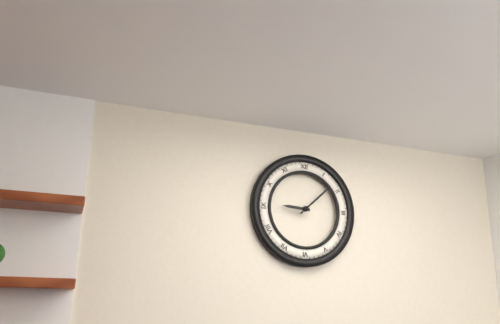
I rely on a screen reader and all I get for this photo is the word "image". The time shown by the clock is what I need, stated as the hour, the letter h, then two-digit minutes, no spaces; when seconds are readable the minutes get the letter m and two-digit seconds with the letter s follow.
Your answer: 9h08
